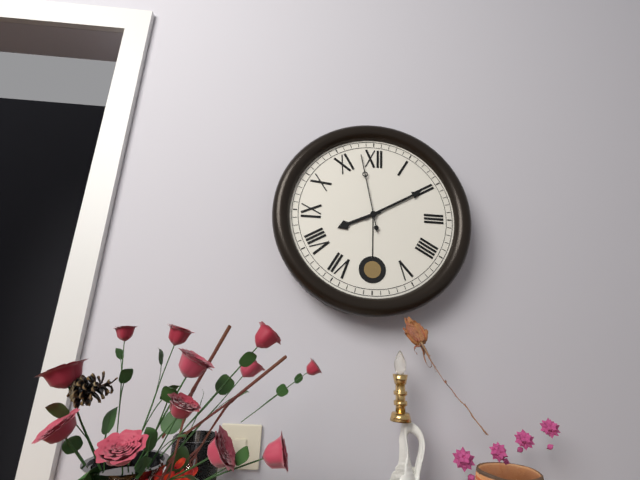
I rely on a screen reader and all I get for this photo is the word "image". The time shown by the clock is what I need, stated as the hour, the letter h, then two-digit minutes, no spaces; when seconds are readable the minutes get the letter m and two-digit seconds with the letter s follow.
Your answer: 8h10m58s
